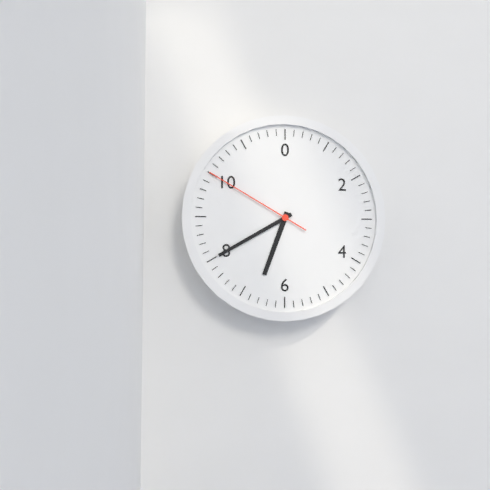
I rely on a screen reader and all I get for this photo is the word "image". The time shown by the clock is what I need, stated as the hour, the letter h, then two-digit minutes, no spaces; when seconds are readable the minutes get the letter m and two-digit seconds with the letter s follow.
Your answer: 6h40m50s
